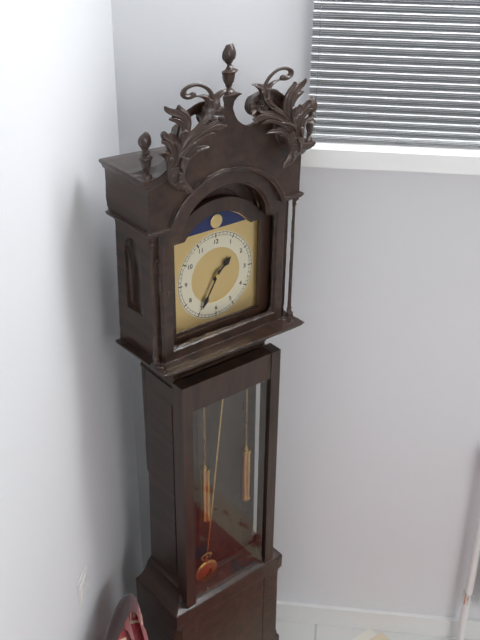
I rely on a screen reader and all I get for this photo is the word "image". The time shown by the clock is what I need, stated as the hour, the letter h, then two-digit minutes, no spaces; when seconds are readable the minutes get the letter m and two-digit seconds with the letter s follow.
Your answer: 1h35
